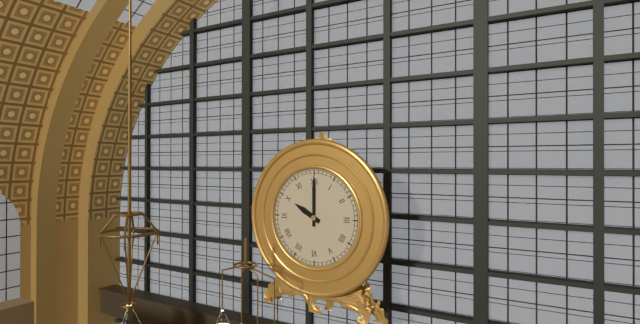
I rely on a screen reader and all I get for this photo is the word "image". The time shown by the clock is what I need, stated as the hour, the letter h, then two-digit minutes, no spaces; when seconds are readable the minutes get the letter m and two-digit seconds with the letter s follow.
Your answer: 10h00
